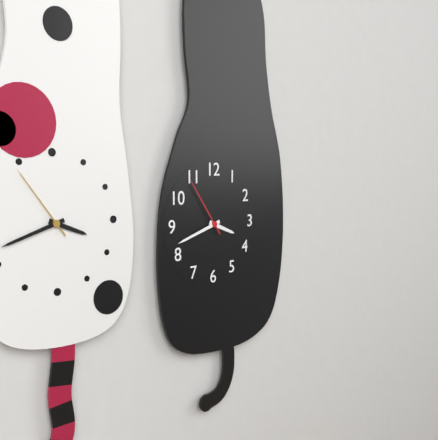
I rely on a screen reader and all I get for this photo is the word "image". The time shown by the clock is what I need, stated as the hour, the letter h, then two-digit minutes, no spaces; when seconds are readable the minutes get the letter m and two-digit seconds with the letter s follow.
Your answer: 3h42m54s
